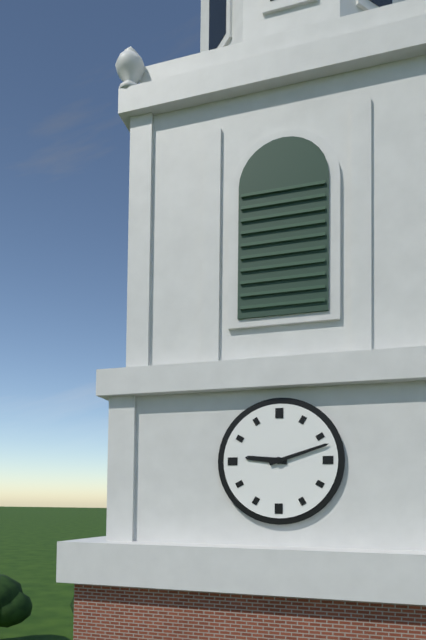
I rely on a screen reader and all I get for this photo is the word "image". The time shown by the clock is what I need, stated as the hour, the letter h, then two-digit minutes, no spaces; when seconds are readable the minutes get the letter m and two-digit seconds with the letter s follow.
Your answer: 9h12
